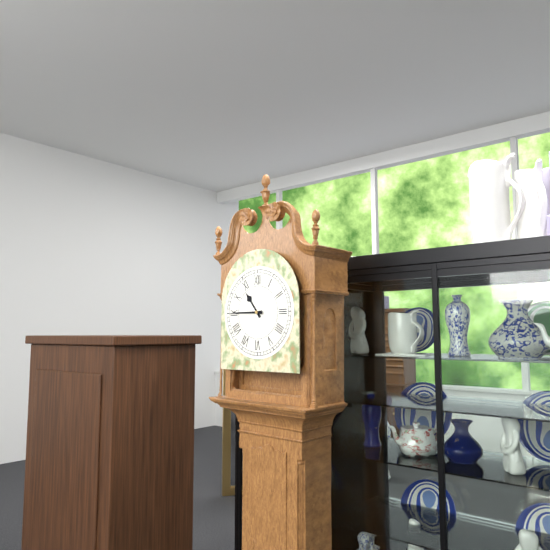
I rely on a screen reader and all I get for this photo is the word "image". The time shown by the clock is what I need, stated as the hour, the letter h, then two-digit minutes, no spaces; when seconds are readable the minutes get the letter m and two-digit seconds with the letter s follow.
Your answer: 10h45
